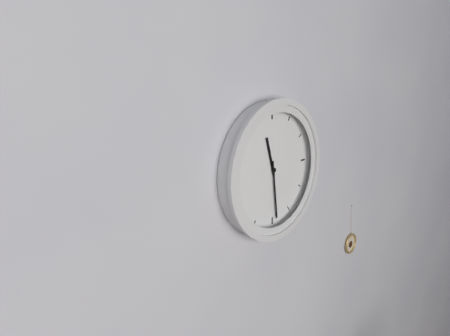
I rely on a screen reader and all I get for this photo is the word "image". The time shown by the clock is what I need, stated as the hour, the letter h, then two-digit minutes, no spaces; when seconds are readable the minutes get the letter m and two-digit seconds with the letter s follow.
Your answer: 11h29
